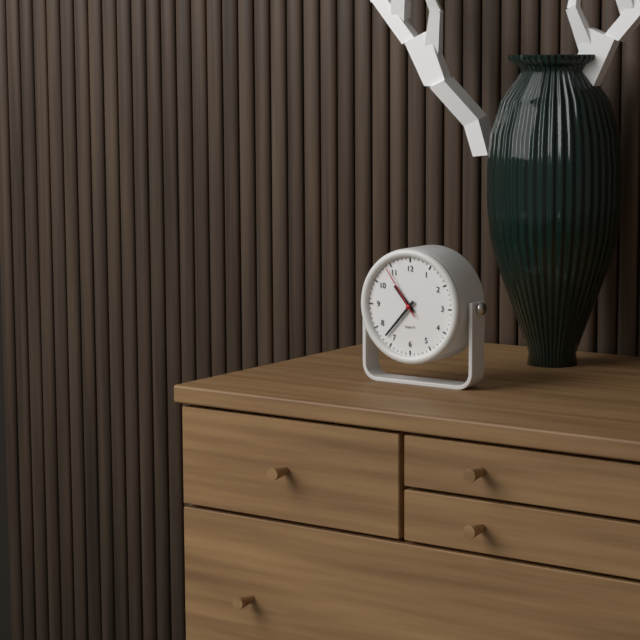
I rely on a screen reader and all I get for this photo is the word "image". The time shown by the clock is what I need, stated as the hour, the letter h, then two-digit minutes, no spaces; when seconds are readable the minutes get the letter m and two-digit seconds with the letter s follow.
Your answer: 10h37m54s
